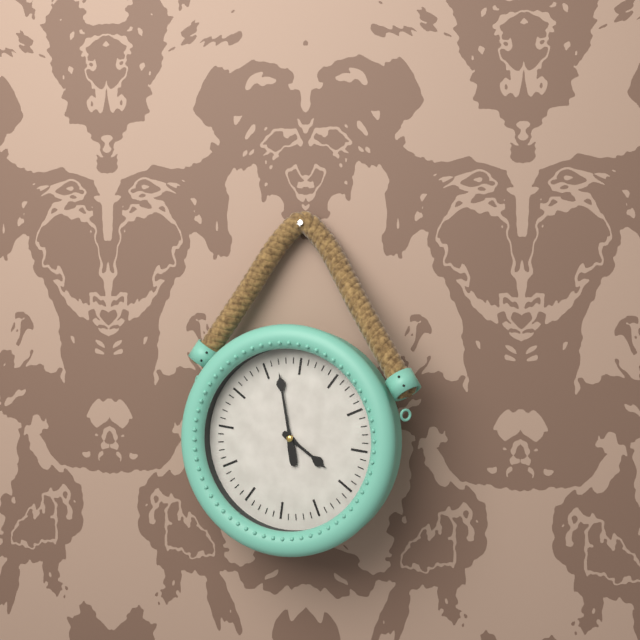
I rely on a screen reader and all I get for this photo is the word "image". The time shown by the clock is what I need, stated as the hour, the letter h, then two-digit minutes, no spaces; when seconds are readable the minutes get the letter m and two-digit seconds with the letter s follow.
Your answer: 3h57
